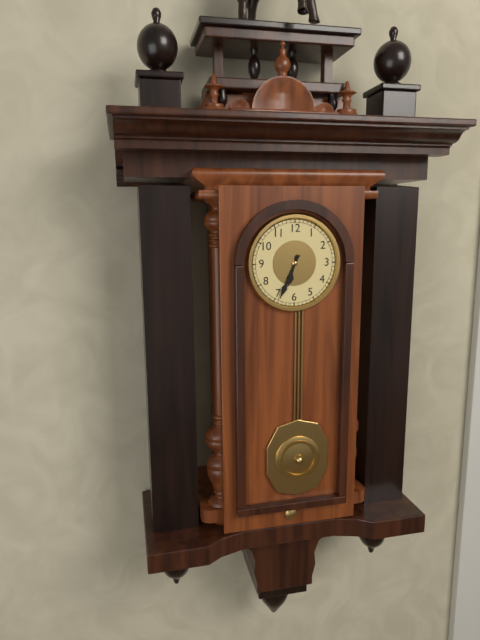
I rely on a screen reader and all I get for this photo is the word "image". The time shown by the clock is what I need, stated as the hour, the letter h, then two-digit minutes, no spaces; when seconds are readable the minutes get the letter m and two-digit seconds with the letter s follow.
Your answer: 6h34
